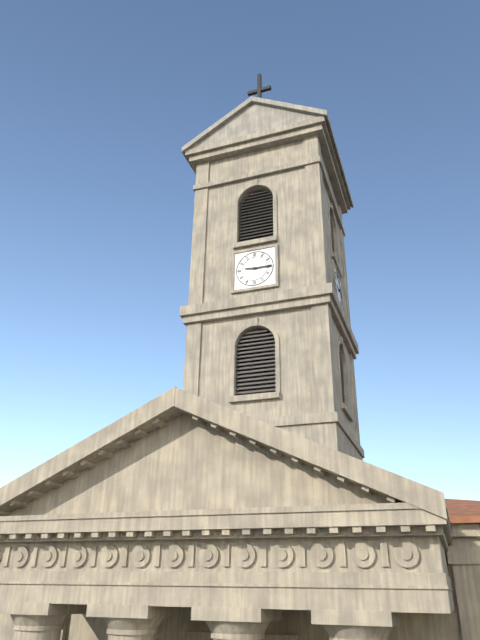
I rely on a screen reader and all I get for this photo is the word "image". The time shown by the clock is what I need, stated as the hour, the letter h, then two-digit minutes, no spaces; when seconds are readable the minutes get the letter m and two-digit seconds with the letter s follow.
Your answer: 9h15
